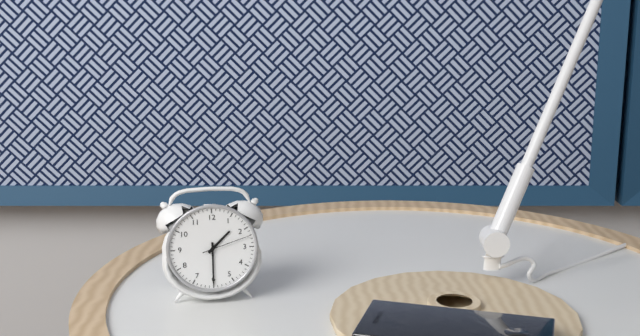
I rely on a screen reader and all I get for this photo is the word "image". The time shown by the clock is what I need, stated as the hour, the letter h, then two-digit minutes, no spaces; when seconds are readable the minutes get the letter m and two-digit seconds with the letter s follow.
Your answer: 1h30m12s
